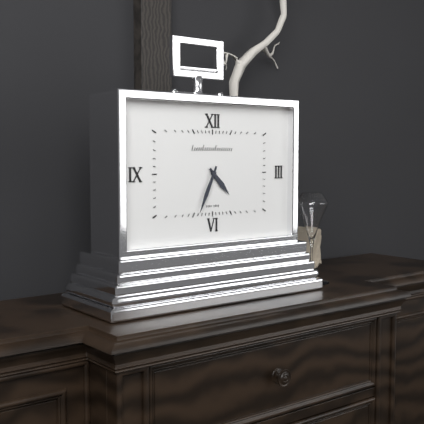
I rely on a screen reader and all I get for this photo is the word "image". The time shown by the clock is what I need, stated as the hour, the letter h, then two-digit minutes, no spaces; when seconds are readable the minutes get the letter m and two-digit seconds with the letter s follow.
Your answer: 4h34
